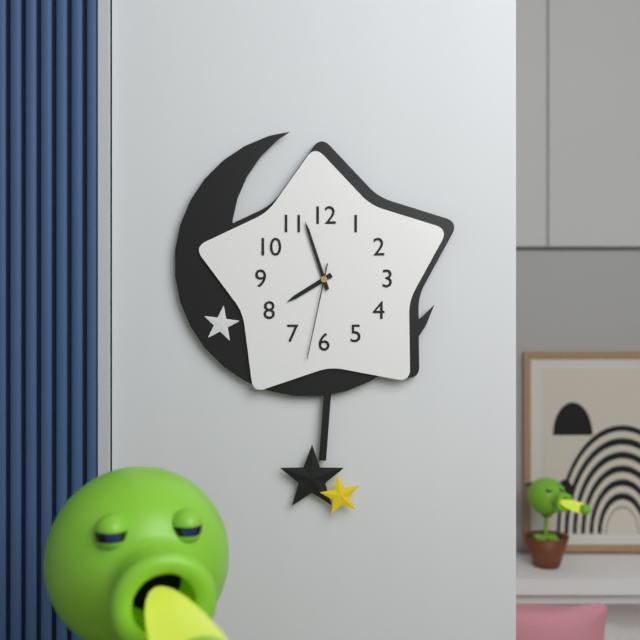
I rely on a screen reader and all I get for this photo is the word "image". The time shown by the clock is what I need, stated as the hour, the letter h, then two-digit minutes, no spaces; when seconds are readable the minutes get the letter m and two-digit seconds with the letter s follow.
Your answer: 7h57m32s
